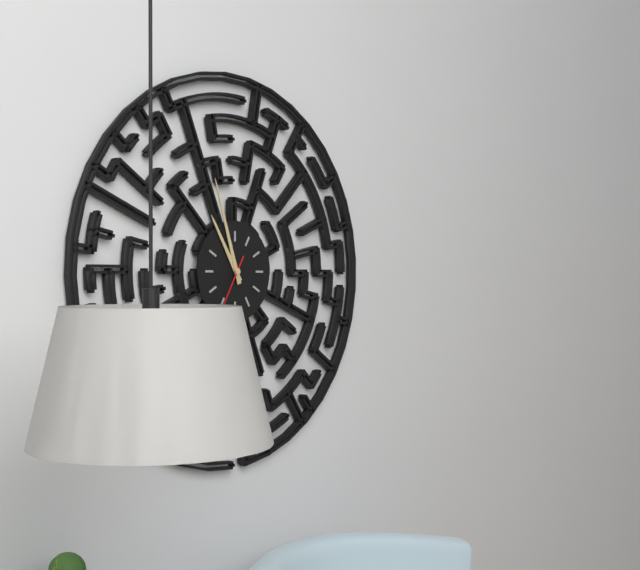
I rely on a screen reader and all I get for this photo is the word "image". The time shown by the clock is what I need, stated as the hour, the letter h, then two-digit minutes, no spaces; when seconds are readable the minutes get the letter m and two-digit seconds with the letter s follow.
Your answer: 10h57
